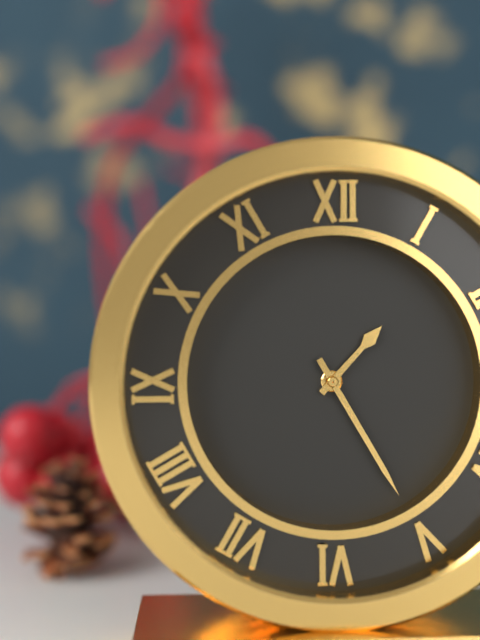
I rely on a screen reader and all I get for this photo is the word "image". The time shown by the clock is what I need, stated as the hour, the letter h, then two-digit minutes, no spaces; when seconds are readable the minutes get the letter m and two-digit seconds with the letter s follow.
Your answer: 1h25
